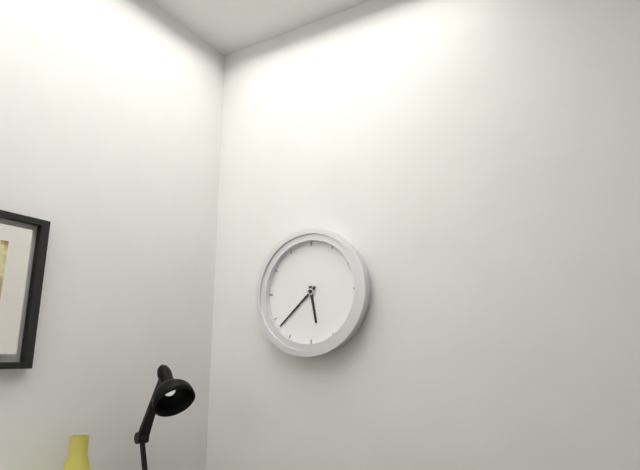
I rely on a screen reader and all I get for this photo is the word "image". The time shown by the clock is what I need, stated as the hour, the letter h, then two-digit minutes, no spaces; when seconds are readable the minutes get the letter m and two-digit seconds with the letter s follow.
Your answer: 5h38
